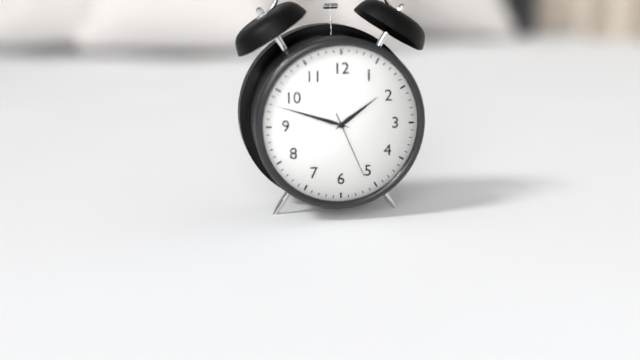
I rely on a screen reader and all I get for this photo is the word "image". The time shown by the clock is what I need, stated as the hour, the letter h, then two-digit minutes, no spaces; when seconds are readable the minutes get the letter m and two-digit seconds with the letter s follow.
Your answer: 1h48m26s
